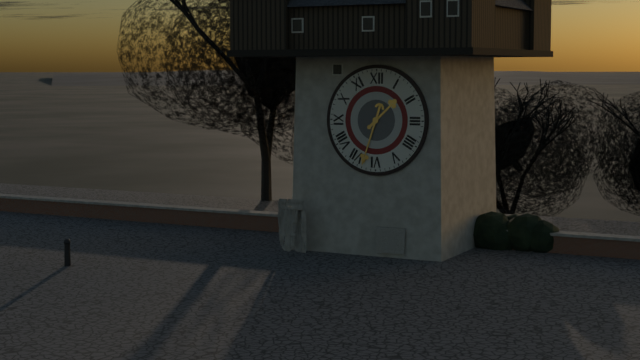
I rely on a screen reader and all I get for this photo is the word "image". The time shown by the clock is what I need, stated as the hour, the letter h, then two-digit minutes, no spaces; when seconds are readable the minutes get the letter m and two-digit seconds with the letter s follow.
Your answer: 1h33
